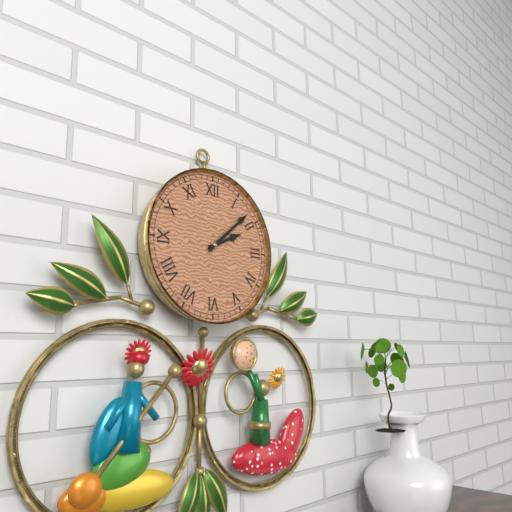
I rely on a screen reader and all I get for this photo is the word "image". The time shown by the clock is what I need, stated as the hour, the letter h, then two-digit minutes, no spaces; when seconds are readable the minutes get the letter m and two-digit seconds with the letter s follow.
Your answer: 2h08
